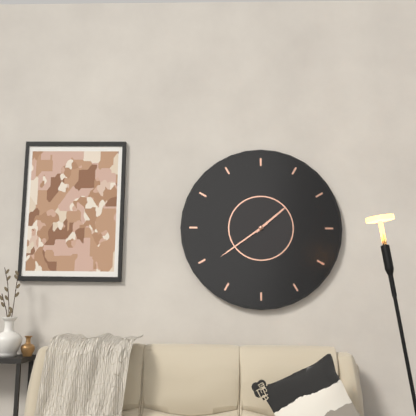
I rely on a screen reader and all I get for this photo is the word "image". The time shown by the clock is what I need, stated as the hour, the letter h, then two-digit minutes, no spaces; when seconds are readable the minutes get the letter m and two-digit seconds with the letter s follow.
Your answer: 1h39
